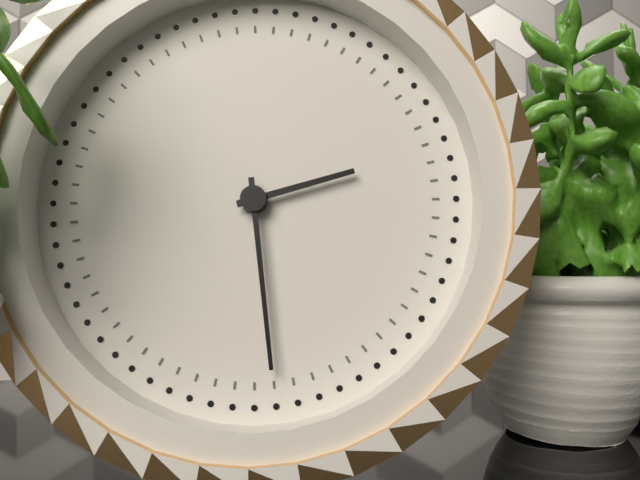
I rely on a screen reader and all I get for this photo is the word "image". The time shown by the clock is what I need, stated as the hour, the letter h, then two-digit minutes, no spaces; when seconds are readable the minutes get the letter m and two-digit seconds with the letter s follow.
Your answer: 2h29
